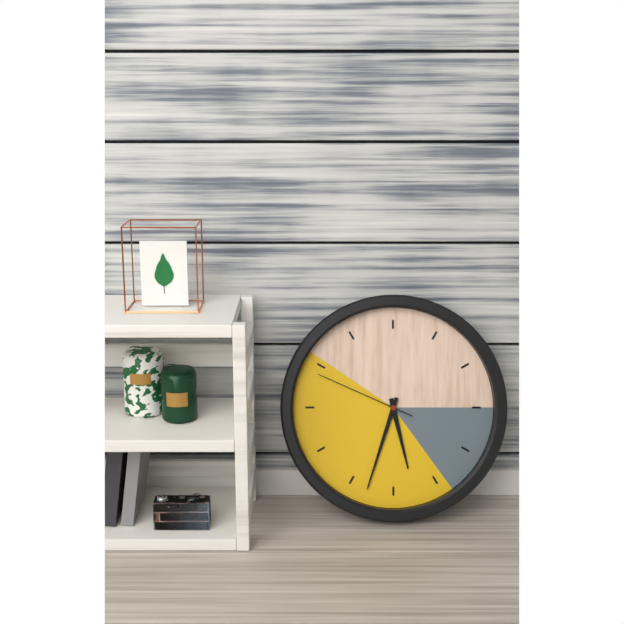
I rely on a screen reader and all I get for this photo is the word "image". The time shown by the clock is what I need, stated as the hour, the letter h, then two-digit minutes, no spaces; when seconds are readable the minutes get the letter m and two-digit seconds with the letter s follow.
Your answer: 5h33m49s
